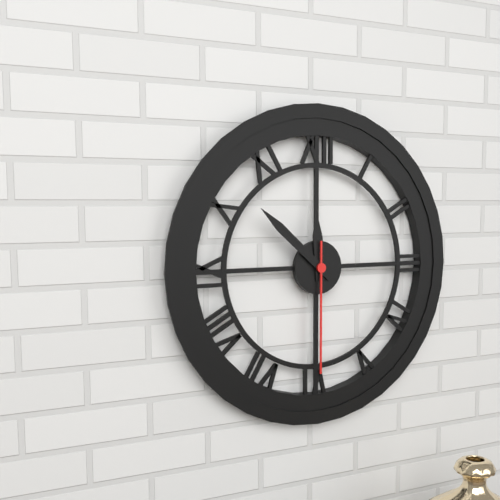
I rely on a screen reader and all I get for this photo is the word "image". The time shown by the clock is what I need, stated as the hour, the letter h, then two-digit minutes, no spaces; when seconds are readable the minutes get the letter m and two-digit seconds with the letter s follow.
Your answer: 11h52m30s
